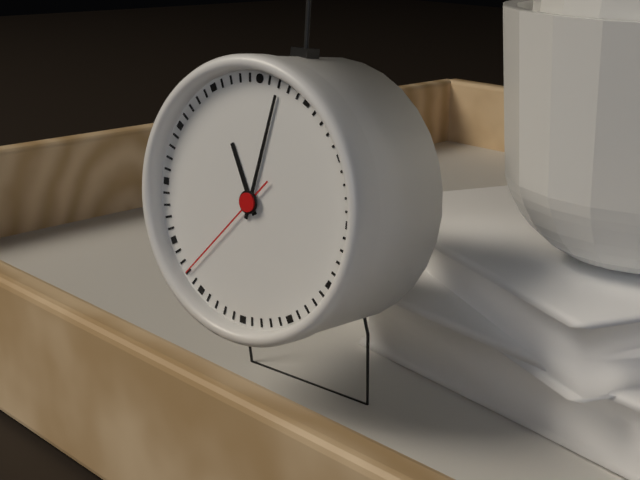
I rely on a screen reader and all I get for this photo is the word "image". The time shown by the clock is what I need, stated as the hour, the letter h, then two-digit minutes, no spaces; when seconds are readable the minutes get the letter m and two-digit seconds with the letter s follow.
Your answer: 11h02m37s
